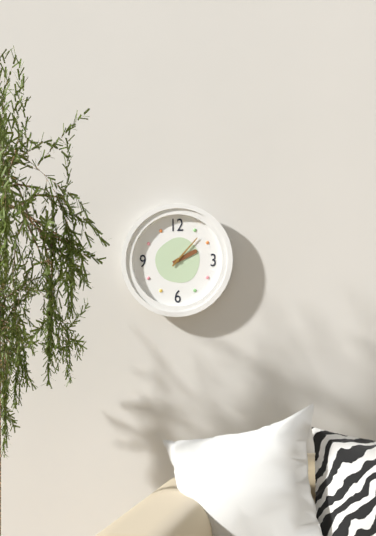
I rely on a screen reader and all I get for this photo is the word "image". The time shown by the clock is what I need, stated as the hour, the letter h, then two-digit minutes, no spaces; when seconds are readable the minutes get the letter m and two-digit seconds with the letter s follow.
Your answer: 2h07
